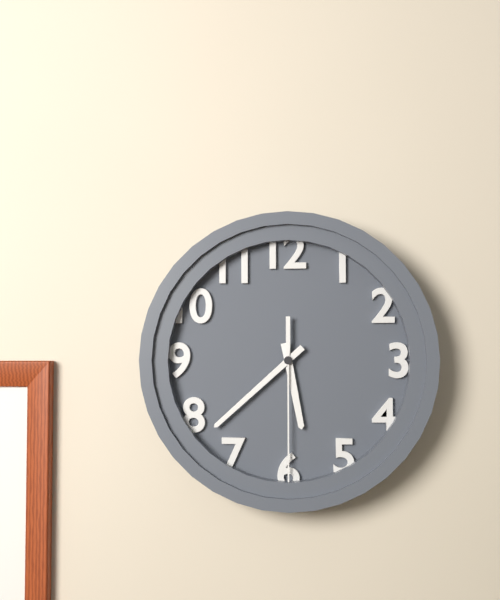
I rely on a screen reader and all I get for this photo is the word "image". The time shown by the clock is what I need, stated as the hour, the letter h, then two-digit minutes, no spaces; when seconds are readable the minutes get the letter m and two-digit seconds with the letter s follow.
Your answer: 5h38m30s
